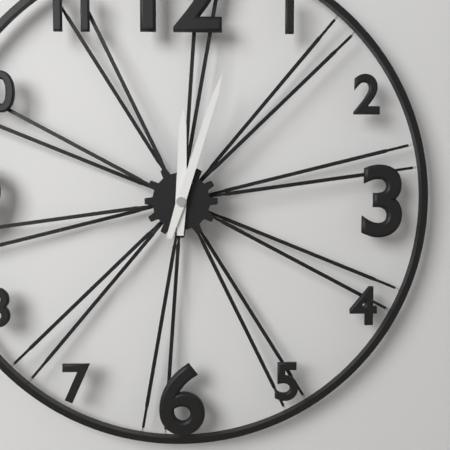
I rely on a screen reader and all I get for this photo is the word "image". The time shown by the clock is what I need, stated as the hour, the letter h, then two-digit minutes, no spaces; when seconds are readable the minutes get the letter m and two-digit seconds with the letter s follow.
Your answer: 12h03
